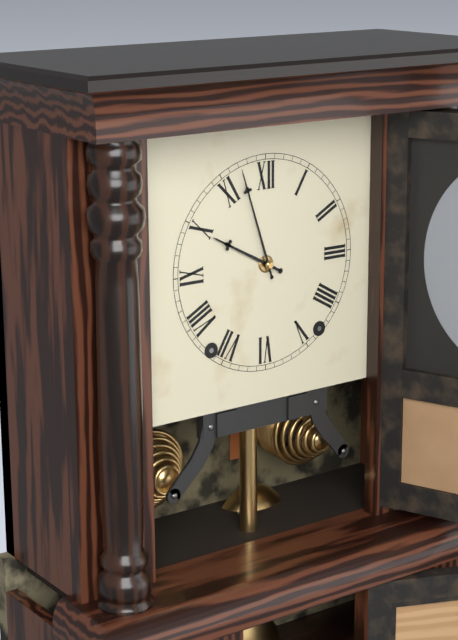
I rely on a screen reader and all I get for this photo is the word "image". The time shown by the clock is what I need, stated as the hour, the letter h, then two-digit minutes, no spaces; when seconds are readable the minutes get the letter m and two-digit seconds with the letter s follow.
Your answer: 9h57
